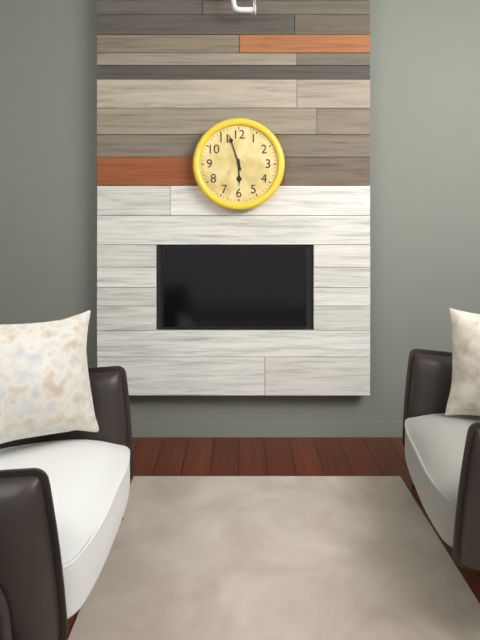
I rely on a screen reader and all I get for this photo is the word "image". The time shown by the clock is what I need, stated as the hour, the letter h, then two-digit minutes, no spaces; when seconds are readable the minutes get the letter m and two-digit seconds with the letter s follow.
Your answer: 5h57
